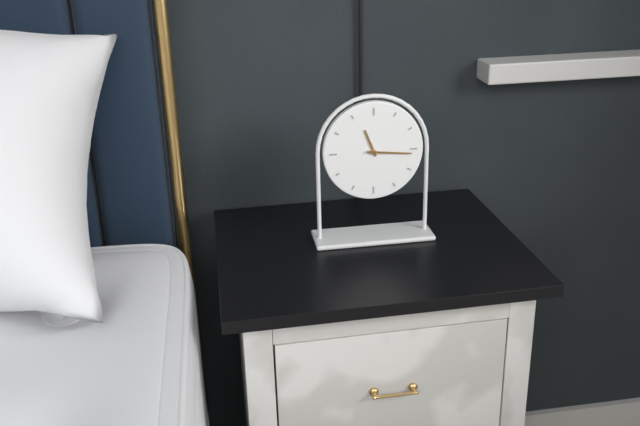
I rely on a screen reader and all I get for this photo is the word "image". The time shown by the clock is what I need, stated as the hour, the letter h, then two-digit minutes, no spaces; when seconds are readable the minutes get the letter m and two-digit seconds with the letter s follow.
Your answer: 11h16
